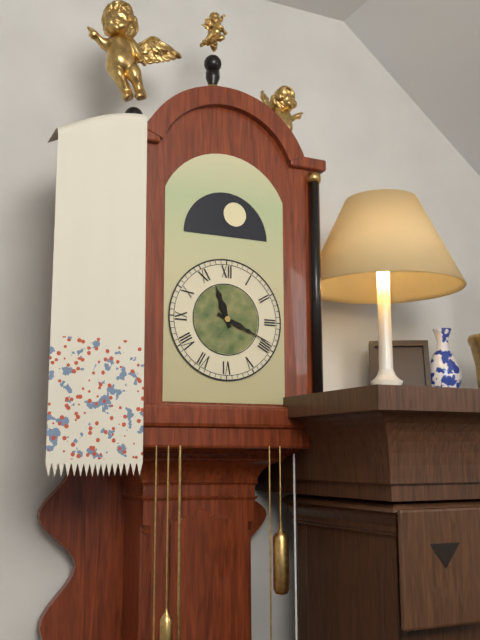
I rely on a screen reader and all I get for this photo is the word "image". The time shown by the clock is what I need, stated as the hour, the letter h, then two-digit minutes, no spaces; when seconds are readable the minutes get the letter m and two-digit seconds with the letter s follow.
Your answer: 11h19
